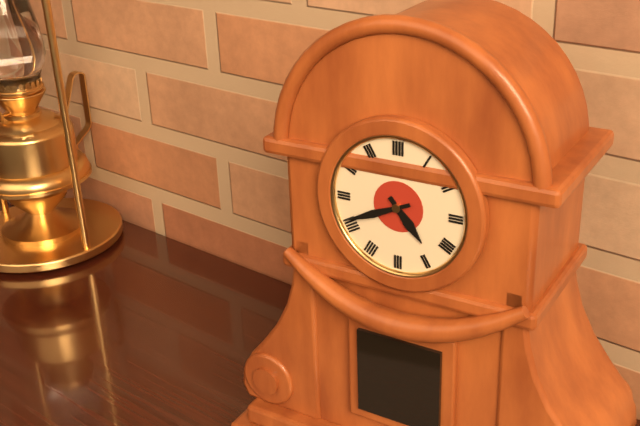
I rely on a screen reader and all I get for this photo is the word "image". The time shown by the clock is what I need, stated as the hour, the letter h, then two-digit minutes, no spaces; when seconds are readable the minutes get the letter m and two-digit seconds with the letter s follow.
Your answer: 4h41
